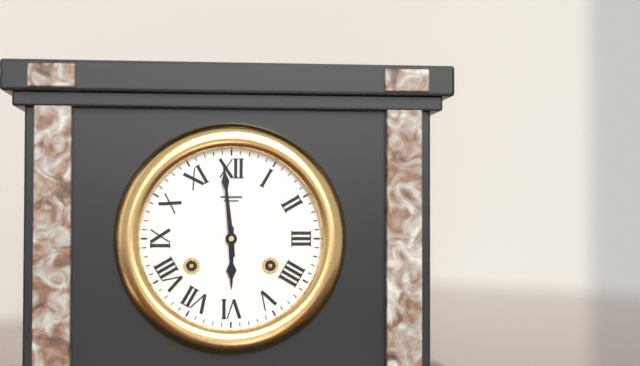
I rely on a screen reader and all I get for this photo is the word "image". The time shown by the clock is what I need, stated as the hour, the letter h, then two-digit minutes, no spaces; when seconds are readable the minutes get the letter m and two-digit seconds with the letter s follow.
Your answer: 5h59
